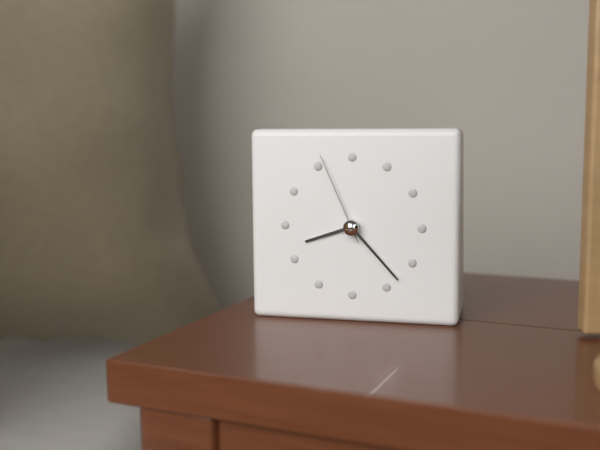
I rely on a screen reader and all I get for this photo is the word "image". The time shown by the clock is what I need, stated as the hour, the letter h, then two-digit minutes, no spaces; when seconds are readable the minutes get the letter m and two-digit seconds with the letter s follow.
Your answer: 8h23m56s
